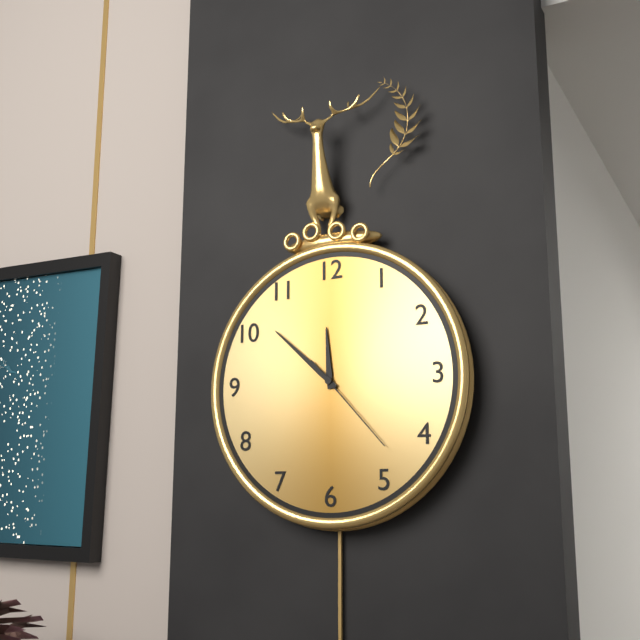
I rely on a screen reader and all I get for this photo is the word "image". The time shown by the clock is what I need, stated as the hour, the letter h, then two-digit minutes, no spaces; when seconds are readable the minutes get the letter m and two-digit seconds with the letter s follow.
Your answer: 11h52m23s
